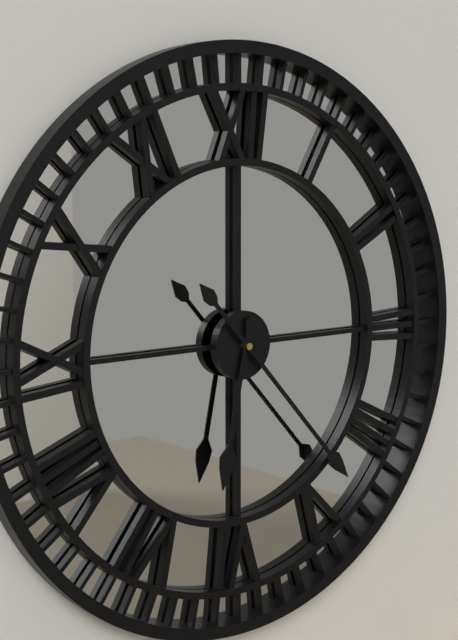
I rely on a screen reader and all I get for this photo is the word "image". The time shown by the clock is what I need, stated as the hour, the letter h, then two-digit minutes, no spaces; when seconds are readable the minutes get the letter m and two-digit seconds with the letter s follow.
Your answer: 6h23
